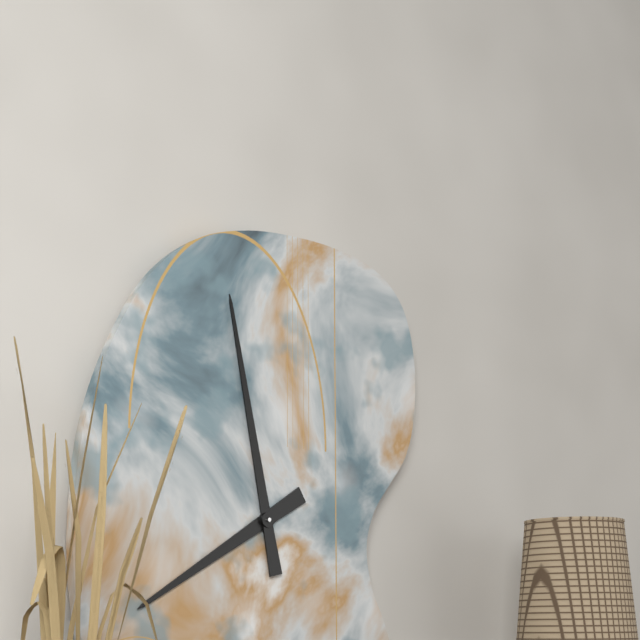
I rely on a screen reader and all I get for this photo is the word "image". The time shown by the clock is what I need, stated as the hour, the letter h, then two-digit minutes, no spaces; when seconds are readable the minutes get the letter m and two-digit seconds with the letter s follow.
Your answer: 7h58
